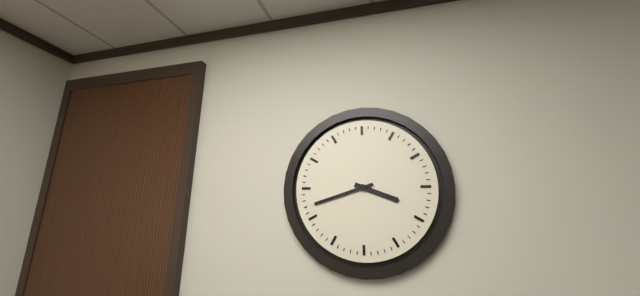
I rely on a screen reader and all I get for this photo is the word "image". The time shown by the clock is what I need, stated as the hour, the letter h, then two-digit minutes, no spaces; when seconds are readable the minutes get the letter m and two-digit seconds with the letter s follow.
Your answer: 3h42
